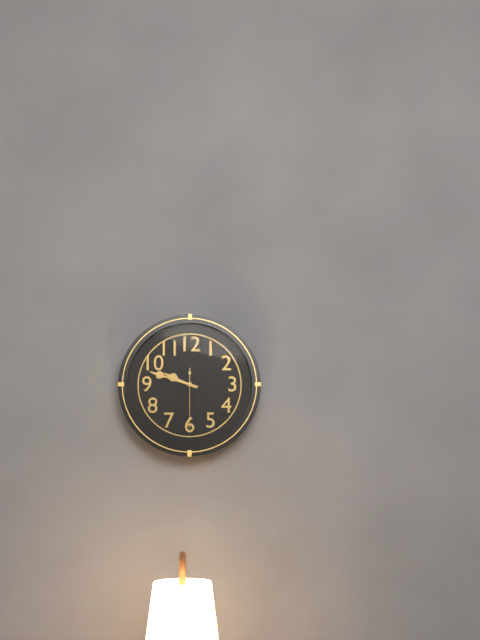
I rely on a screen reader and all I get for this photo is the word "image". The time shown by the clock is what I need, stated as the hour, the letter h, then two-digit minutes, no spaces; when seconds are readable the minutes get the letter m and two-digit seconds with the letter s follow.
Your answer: 9h48m30s
